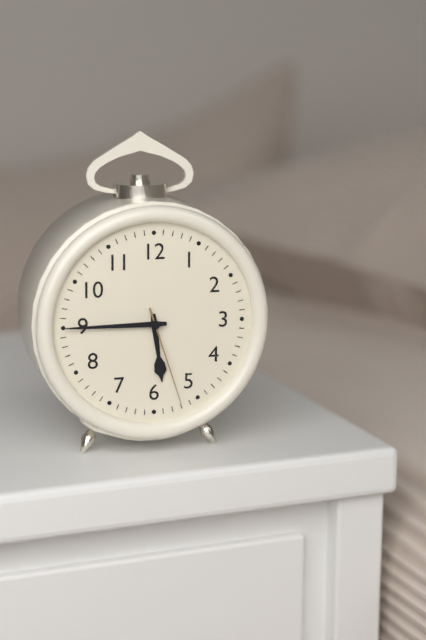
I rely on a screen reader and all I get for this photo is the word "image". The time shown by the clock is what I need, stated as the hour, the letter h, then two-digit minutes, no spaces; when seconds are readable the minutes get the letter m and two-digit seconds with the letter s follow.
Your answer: 5h45m27s
